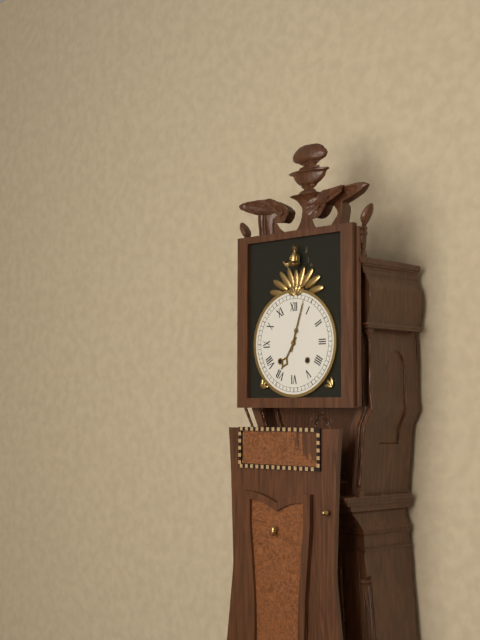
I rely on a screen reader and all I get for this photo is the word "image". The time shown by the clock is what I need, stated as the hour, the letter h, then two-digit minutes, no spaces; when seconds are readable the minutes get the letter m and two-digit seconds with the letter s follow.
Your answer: 7h03
